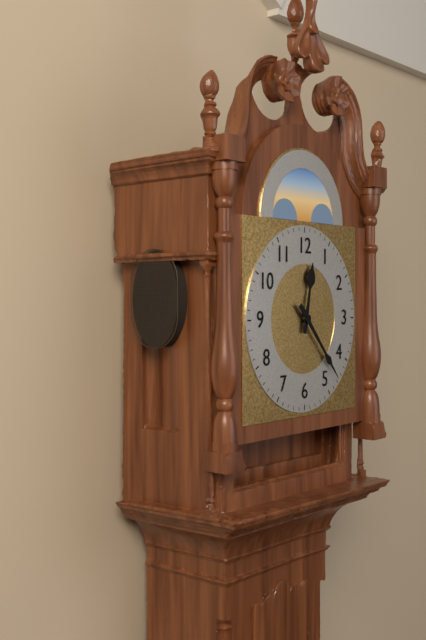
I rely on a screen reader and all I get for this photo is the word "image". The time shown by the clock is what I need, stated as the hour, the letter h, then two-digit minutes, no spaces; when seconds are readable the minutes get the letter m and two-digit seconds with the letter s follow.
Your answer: 12h23
